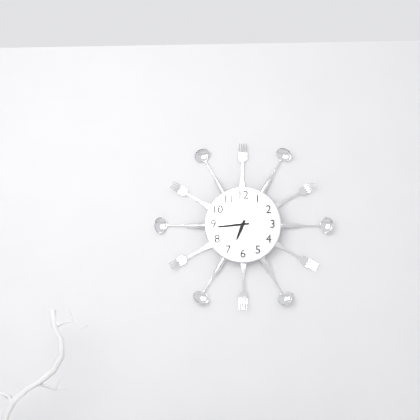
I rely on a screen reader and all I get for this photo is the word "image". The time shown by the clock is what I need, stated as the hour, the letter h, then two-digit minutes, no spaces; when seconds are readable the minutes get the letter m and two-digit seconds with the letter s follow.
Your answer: 6h44
